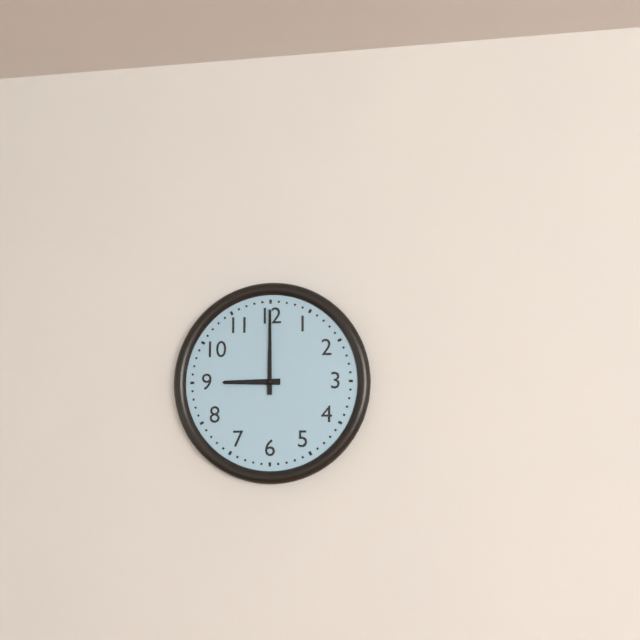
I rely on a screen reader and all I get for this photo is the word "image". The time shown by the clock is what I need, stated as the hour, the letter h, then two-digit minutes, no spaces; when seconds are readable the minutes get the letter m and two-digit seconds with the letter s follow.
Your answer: 9h00
